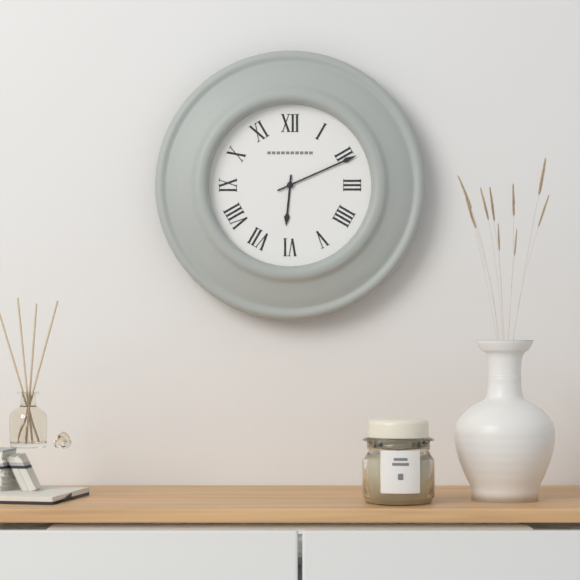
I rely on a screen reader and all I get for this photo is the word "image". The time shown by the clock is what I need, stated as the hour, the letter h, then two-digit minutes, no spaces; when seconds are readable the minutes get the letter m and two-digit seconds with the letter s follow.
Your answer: 6h11
